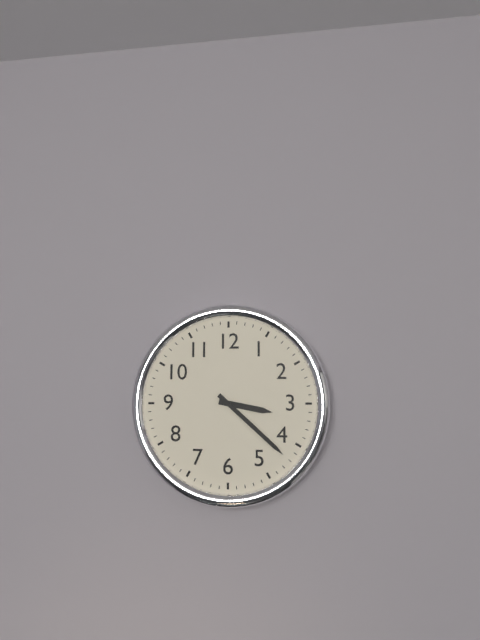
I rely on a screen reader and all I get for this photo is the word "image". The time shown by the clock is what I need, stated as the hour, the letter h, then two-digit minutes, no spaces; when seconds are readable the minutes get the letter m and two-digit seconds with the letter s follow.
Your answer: 3h22
